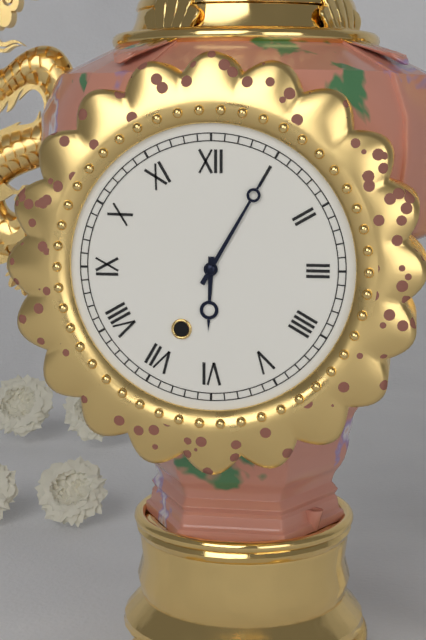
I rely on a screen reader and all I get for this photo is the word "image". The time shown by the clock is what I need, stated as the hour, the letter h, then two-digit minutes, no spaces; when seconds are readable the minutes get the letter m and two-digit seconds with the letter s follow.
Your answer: 6h05
